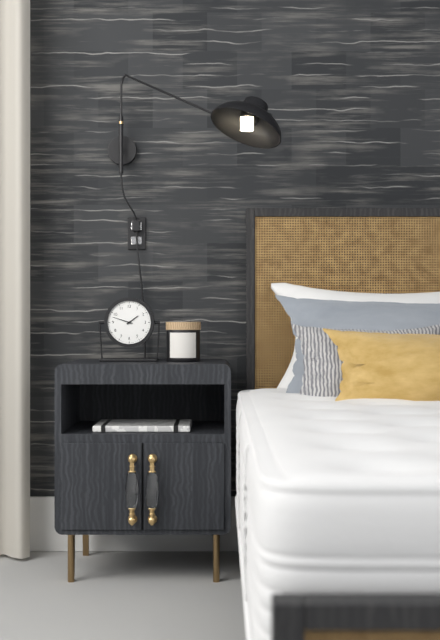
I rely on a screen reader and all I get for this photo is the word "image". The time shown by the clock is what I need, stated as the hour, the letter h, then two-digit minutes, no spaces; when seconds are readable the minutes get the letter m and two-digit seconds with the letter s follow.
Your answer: 1h48
